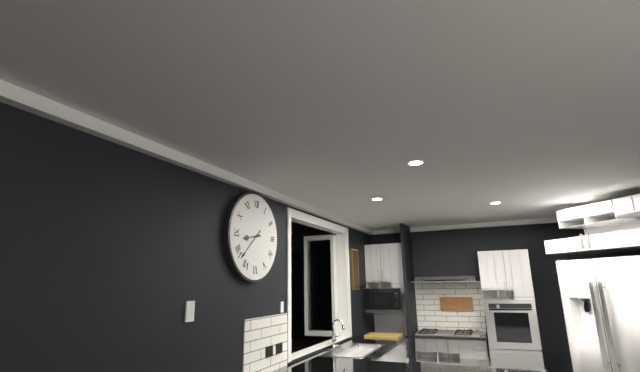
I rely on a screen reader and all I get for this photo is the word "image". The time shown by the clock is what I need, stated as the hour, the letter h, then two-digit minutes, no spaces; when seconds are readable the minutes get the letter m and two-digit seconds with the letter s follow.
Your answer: 8h38
